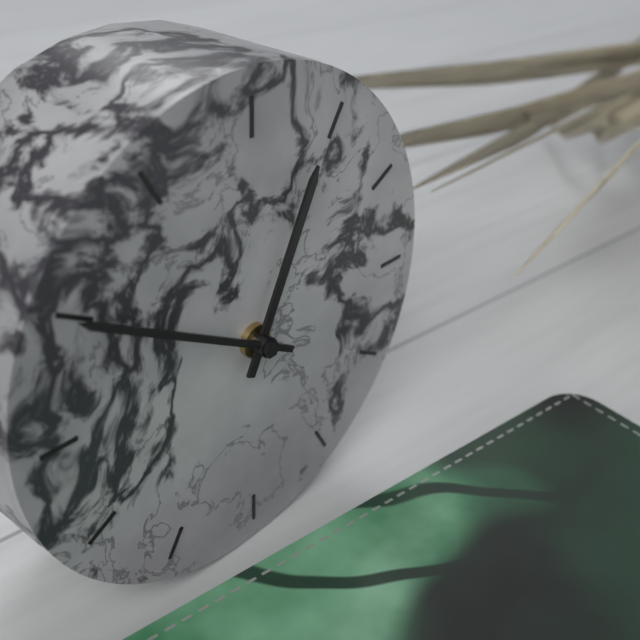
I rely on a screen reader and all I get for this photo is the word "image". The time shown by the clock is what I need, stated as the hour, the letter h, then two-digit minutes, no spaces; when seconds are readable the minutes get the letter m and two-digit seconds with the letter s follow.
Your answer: 12h50
